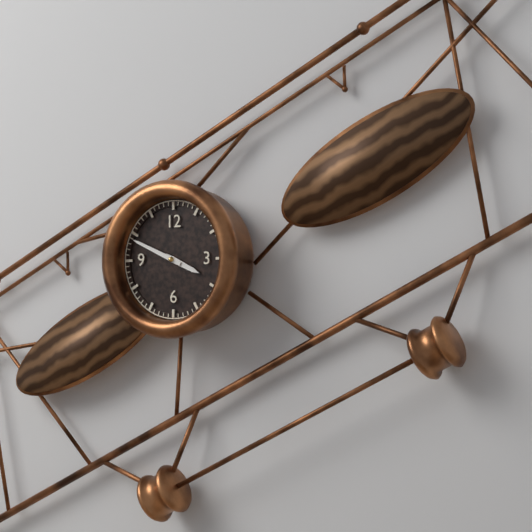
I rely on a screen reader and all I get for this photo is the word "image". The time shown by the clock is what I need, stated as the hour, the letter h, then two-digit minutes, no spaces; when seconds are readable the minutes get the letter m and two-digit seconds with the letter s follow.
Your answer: 3h49
